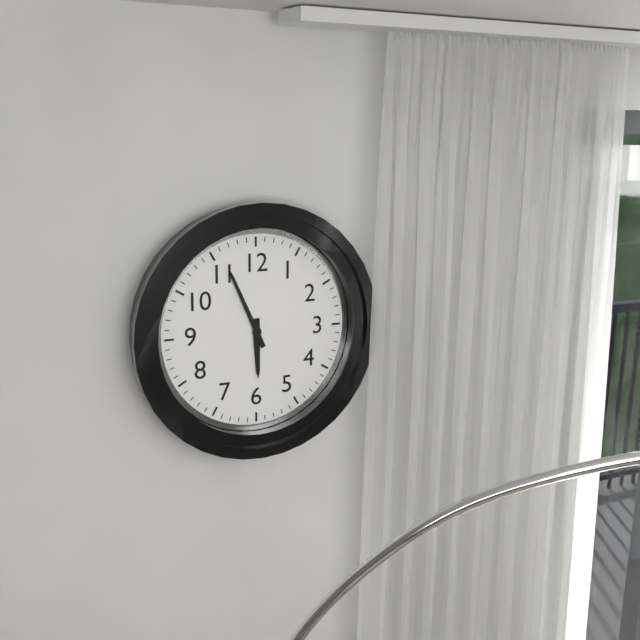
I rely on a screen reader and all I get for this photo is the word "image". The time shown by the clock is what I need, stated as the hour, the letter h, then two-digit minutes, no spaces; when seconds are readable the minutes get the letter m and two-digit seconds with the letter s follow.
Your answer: 5h56
